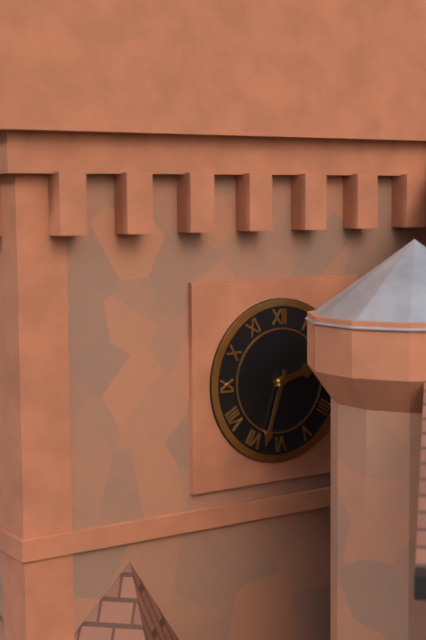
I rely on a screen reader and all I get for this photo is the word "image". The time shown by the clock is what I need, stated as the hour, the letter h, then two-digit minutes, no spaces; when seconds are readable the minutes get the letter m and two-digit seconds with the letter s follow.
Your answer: 2h33
